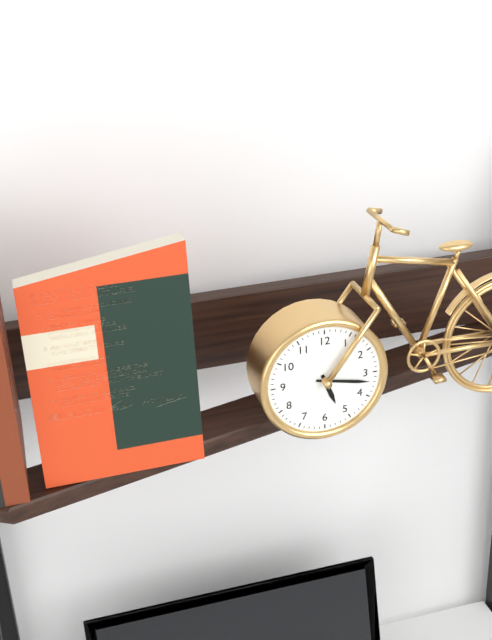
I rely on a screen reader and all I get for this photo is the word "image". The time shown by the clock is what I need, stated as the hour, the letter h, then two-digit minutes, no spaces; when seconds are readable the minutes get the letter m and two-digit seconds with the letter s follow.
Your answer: 5h17
